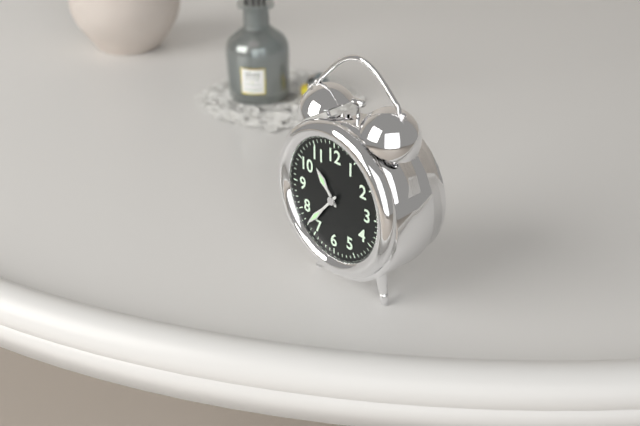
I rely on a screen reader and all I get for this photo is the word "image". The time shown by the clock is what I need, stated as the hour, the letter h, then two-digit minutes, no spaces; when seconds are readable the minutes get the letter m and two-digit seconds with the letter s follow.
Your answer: 10h37
